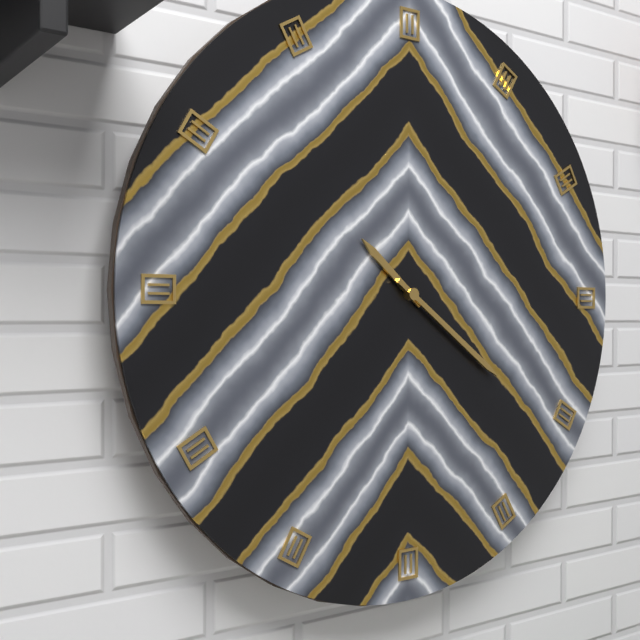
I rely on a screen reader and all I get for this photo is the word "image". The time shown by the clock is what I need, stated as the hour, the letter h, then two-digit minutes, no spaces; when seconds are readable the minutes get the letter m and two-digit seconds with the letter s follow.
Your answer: 10h21
